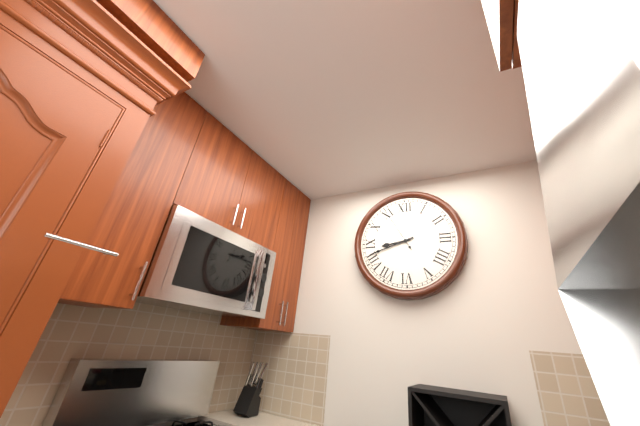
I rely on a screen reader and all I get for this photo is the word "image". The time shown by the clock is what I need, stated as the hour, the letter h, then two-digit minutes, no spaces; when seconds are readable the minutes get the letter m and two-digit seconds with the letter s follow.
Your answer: 8h42
